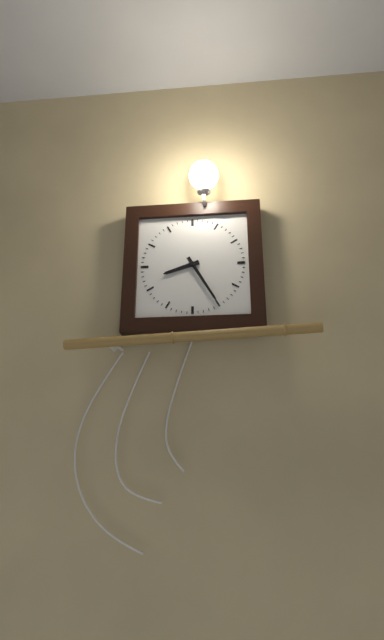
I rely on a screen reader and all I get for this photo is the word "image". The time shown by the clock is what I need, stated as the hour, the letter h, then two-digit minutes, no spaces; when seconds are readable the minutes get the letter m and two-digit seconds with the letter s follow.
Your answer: 8h25
